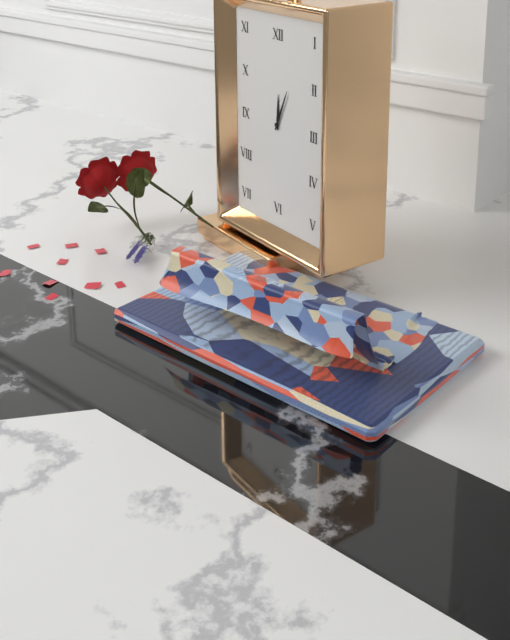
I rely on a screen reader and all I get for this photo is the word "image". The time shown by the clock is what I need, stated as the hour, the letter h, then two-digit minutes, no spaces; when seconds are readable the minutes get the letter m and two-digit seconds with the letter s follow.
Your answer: 12h04
